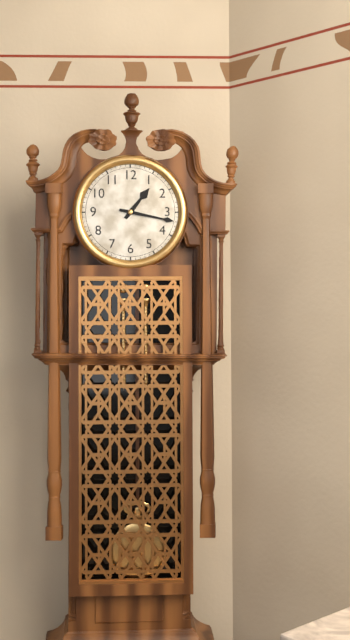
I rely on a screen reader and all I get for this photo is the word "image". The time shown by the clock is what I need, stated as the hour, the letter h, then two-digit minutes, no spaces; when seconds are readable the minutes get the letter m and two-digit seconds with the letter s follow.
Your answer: 1h17
